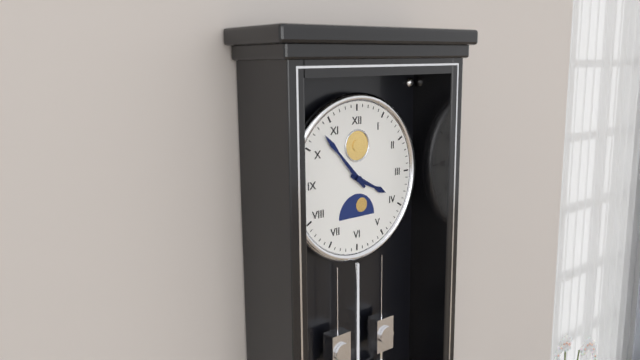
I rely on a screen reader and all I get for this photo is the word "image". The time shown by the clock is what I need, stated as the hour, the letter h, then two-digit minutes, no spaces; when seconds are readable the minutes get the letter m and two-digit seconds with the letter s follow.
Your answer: 3h53
